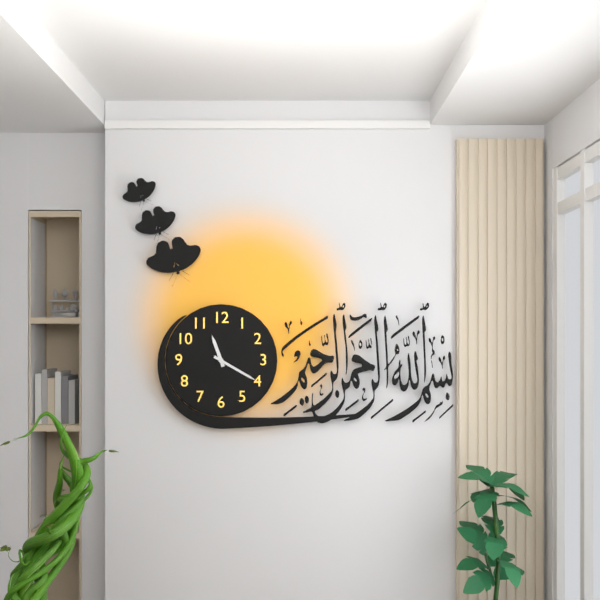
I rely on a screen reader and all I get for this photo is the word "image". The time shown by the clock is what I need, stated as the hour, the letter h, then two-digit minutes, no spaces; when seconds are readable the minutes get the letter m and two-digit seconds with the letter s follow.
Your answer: 11h20
